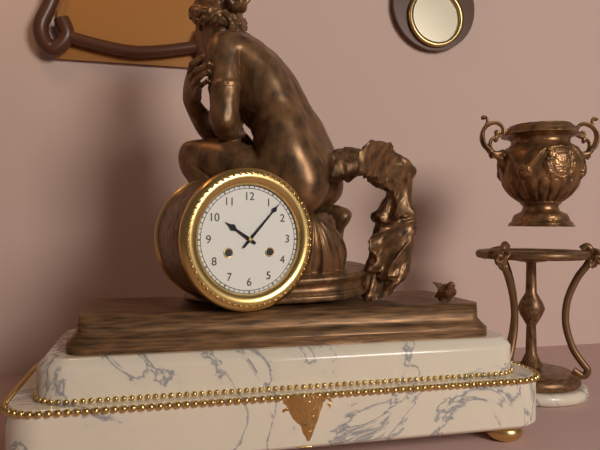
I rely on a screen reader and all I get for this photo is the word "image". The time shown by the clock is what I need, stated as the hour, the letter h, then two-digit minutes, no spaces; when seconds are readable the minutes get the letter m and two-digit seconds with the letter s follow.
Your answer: 10h07
